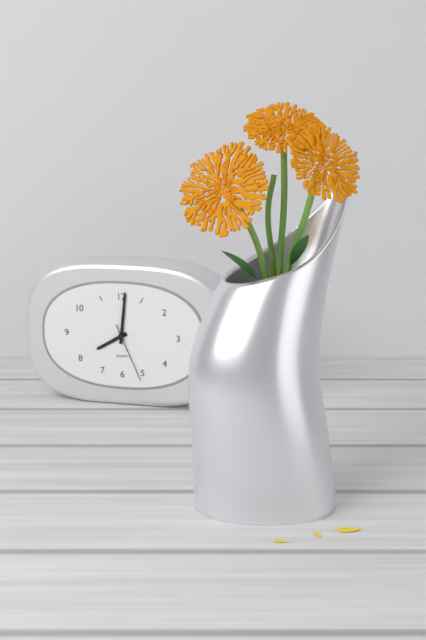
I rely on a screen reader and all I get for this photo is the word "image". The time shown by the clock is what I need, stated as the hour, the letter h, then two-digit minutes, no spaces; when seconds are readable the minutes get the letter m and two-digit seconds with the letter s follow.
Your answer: 8h01m26s
